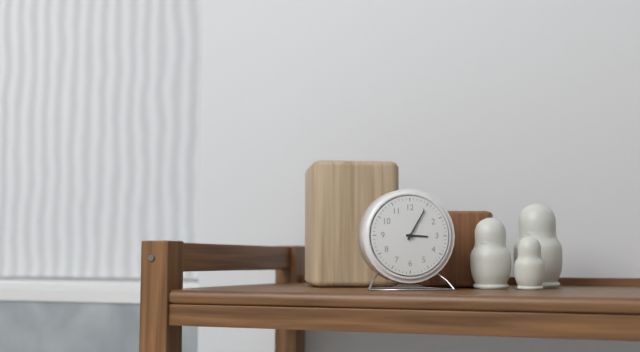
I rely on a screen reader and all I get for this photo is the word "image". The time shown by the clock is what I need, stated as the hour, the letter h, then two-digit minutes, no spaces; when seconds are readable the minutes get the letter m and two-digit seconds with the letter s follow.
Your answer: 3h05
